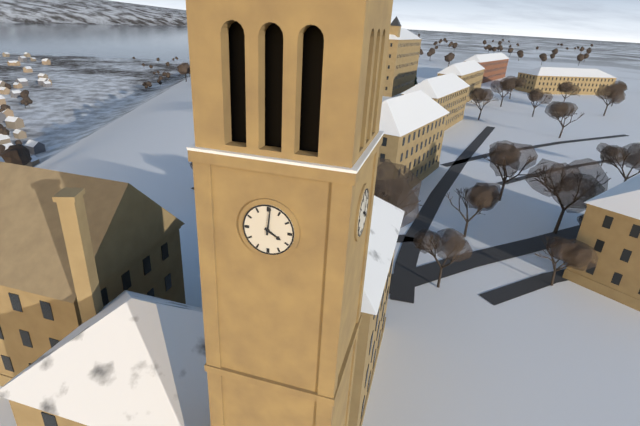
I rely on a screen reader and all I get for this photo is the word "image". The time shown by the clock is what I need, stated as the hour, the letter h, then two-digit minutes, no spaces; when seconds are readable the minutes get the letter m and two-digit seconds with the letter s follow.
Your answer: 4h01
